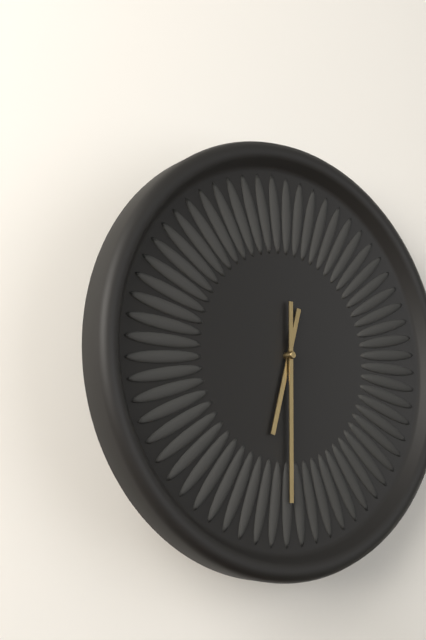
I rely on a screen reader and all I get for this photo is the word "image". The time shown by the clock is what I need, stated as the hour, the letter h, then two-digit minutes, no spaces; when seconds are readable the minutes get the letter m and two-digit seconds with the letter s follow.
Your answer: 6h30
